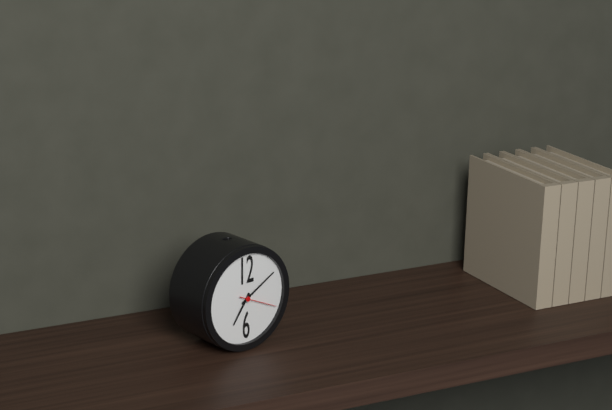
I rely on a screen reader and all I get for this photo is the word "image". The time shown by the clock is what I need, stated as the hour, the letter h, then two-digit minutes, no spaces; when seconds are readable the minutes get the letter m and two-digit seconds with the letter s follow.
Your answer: 7h10
